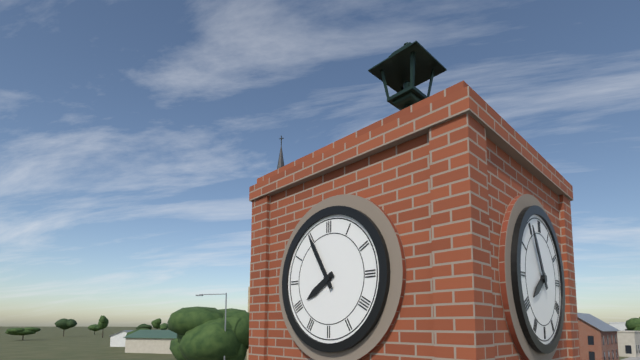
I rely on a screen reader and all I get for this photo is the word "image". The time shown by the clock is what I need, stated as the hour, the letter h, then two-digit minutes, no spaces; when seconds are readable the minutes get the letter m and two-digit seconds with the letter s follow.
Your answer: 7h55
